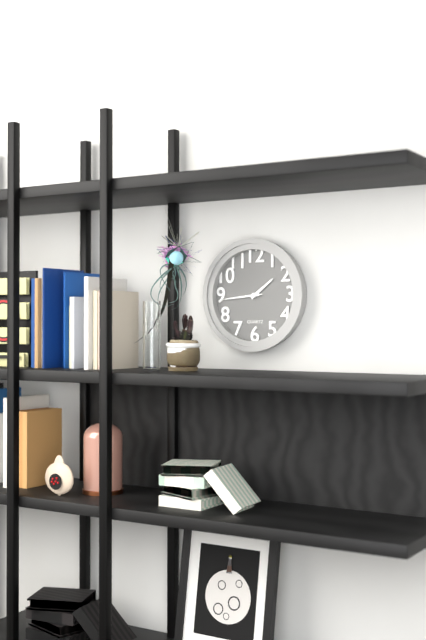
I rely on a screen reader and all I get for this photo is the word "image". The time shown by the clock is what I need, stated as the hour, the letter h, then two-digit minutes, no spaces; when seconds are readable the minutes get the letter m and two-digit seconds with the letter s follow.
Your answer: 1h44
